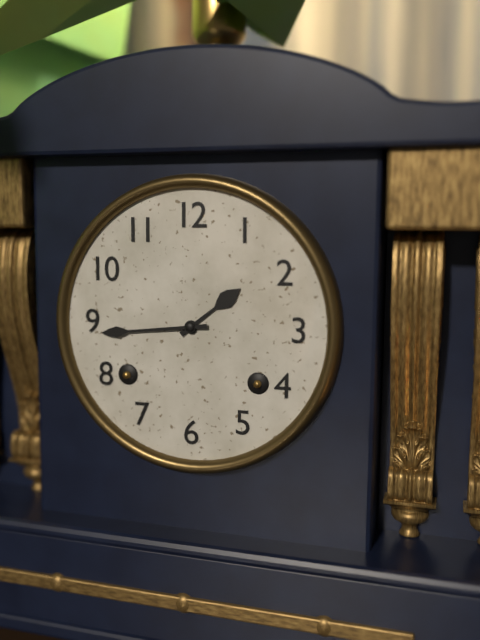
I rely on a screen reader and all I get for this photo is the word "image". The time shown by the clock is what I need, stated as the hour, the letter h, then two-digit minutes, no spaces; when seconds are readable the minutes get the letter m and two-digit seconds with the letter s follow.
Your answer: 1h44
